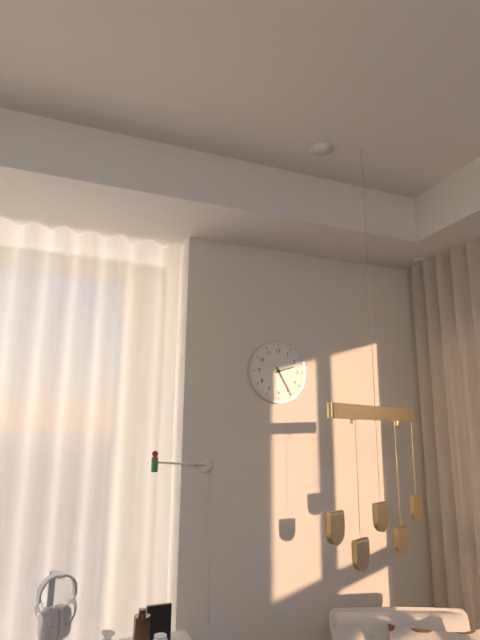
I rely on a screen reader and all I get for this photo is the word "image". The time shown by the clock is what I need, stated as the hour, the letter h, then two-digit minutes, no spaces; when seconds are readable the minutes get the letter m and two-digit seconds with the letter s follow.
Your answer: 2h25
